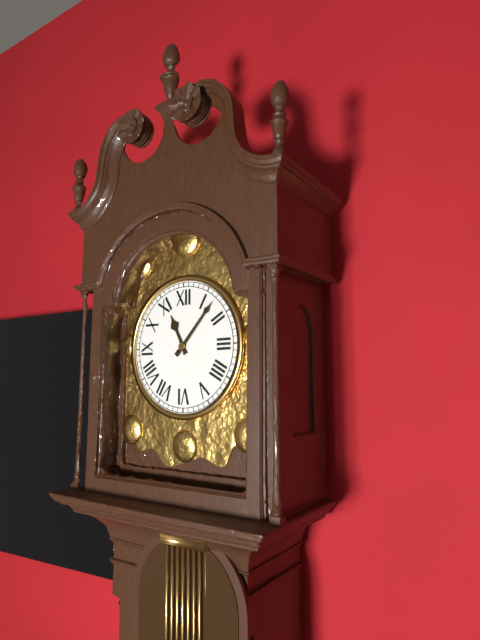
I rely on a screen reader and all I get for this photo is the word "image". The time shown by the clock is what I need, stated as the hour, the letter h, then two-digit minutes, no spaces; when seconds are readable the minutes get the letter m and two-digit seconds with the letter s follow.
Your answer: 11h07
